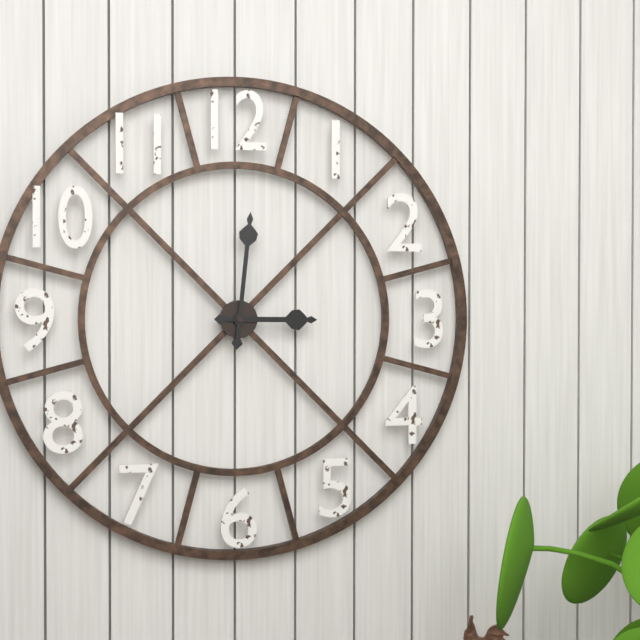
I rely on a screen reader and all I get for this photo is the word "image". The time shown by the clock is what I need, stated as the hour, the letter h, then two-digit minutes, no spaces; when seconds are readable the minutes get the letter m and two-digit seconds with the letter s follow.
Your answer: 3h01
